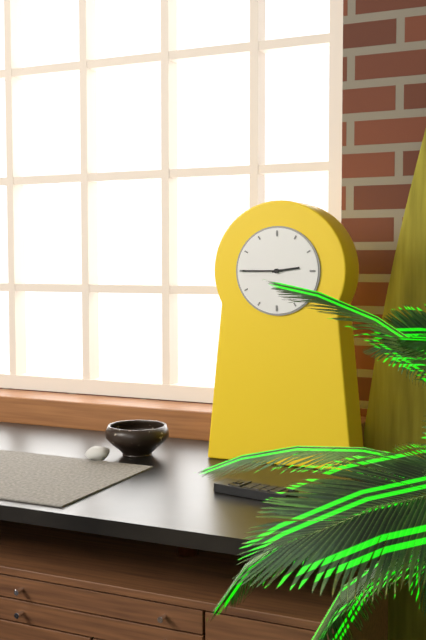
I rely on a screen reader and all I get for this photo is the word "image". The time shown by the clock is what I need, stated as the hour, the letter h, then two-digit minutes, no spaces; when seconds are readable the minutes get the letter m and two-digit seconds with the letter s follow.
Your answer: 2h45
